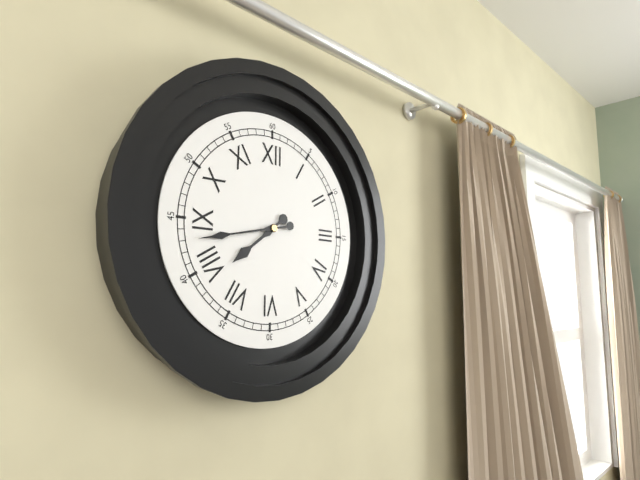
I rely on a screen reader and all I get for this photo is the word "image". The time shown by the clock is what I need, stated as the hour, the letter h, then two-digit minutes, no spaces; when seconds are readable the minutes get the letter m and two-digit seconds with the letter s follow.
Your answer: 7h43
